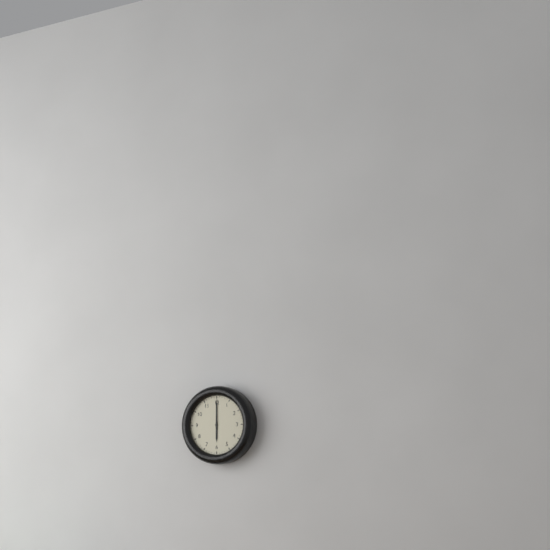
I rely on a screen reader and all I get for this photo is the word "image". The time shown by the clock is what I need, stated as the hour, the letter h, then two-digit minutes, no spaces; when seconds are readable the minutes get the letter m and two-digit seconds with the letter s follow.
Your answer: 6h00
